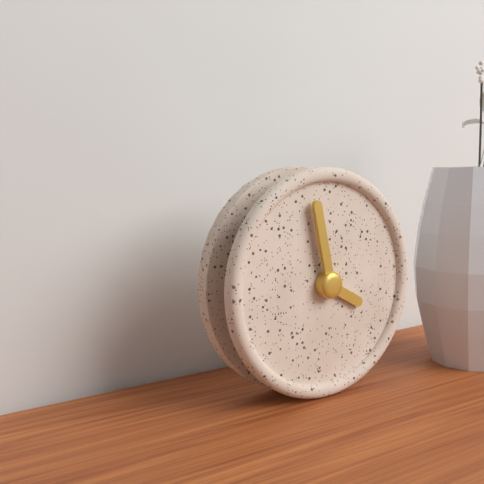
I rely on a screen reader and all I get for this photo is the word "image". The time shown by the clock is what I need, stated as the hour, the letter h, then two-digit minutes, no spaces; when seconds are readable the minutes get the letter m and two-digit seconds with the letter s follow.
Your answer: 3h58
